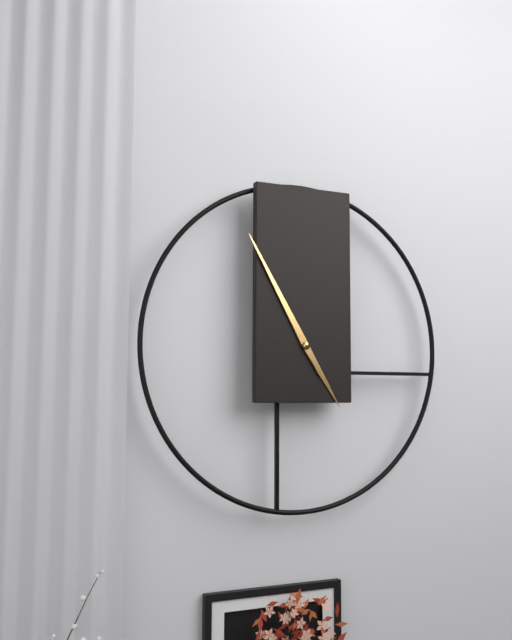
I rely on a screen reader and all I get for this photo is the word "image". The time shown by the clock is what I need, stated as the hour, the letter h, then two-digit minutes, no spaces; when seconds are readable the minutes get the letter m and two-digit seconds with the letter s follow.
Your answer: 4h55
